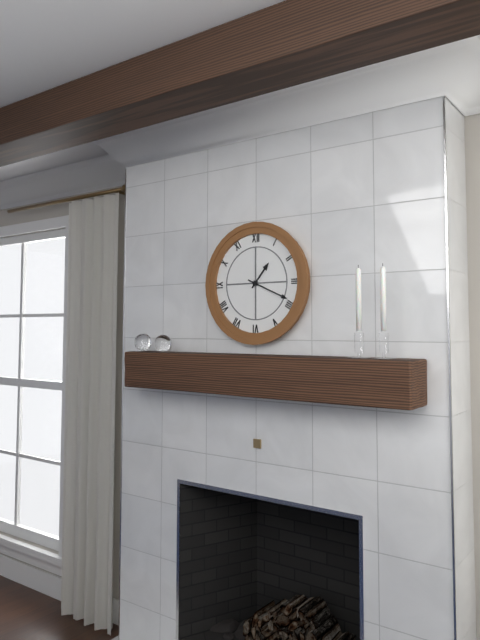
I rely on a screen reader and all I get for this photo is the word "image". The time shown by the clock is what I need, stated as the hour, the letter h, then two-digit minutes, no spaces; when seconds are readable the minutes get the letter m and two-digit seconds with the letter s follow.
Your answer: 1h19
